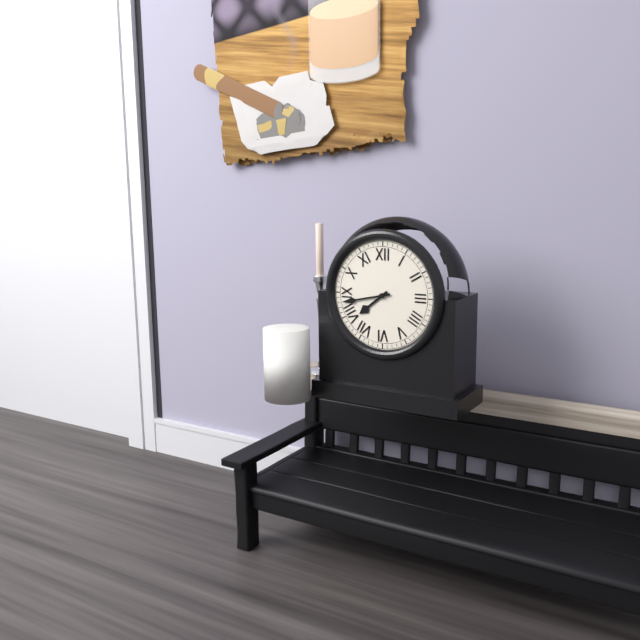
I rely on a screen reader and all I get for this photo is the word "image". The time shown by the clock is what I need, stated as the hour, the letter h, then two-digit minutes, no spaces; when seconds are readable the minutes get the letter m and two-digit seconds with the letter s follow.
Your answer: 7h43
